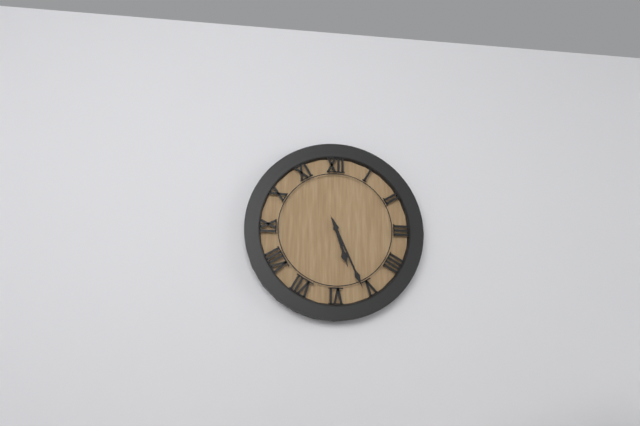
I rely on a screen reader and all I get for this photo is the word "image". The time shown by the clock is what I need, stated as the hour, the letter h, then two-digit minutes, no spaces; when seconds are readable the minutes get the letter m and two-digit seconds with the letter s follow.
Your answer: 5h26
